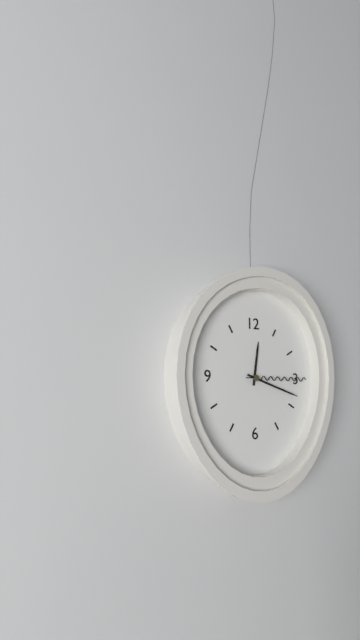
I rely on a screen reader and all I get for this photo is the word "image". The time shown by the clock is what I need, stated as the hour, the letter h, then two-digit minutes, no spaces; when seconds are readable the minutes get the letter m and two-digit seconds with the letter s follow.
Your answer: 12h18m15s
